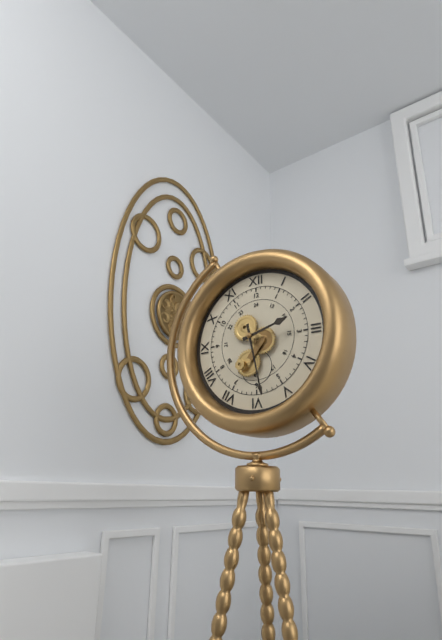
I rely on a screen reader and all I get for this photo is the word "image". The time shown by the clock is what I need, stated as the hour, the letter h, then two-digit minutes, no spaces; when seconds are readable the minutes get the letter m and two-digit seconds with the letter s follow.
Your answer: 2h28
